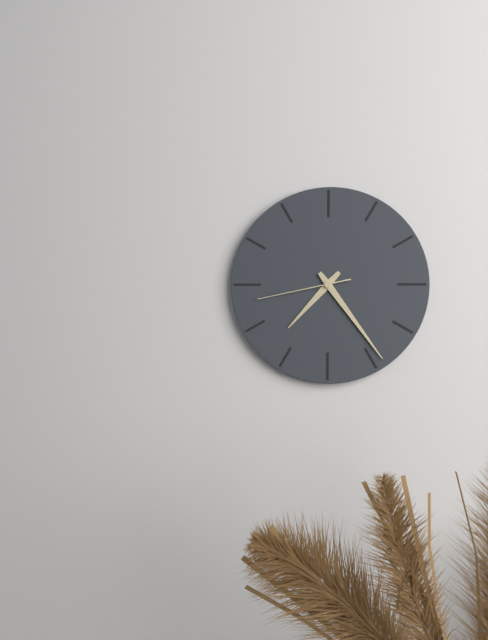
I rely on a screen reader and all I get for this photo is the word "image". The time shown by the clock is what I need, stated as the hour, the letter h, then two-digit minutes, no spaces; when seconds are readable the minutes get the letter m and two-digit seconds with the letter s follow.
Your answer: 7h24m43s
